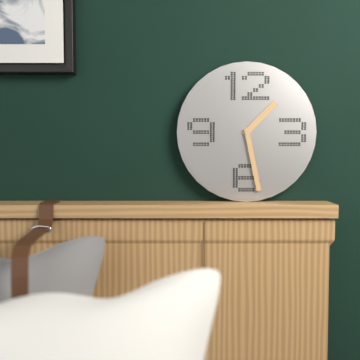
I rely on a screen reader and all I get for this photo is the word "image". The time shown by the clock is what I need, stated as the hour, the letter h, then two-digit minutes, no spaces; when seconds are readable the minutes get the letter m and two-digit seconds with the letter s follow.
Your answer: 1h28
